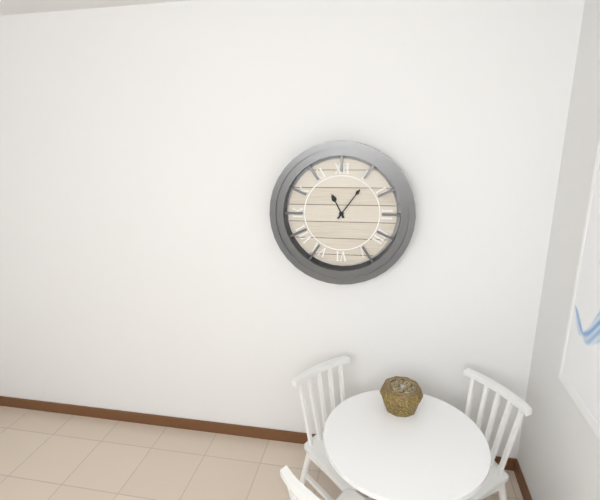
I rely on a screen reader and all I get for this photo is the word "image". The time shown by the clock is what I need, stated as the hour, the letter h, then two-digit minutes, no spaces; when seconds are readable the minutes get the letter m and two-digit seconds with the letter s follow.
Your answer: 11h06
